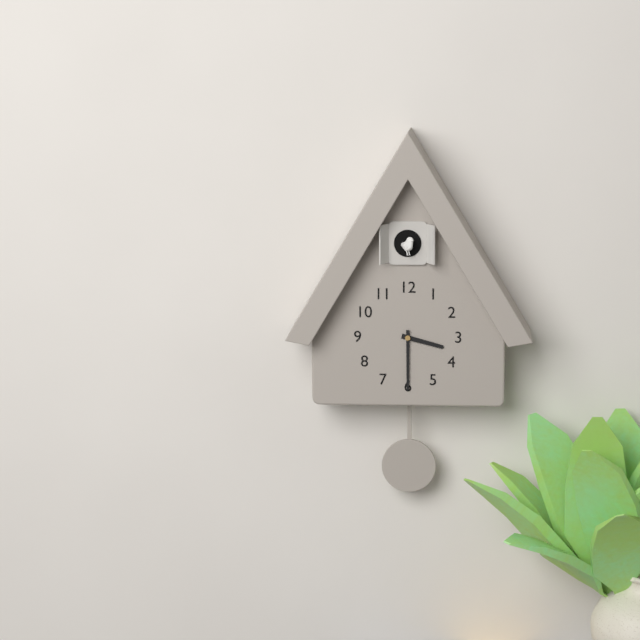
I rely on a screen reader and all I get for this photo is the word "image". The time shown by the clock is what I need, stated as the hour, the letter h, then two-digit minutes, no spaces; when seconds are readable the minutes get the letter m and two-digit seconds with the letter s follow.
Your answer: 3h30
